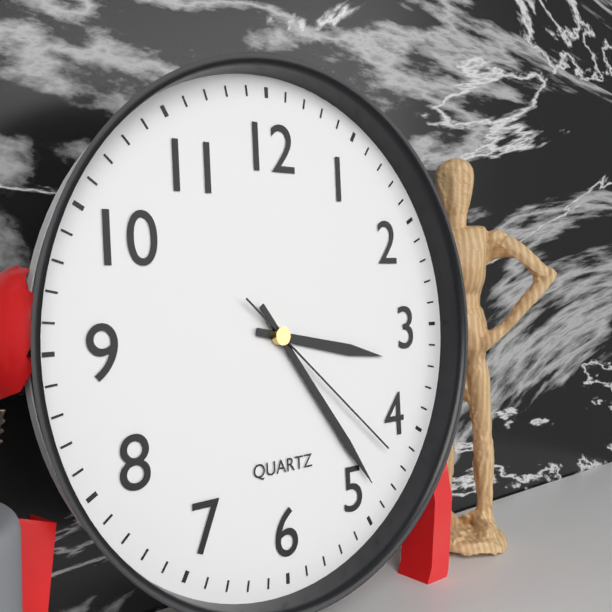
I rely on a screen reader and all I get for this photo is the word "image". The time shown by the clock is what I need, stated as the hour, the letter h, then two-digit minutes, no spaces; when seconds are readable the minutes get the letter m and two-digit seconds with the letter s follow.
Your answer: 3h24m22s
